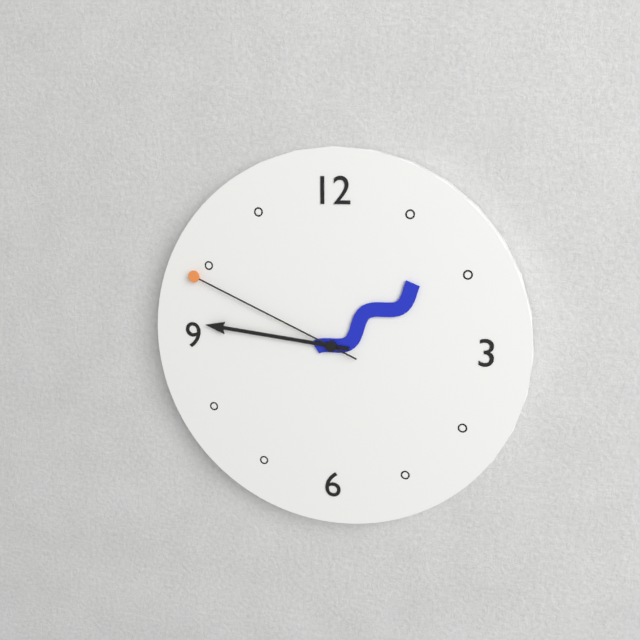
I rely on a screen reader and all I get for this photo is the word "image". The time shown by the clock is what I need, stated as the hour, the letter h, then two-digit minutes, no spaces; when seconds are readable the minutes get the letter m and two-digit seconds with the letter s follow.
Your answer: 1h46m49s
